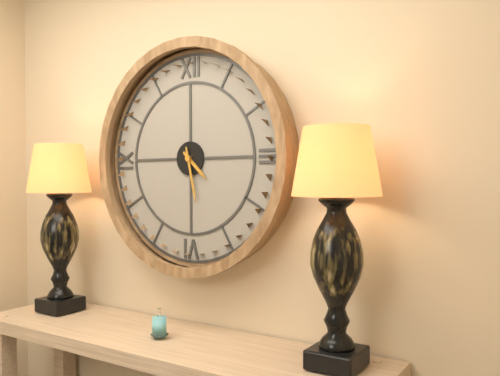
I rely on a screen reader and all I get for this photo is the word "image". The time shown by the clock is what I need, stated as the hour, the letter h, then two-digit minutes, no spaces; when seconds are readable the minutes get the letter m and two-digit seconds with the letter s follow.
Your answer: 4h28
